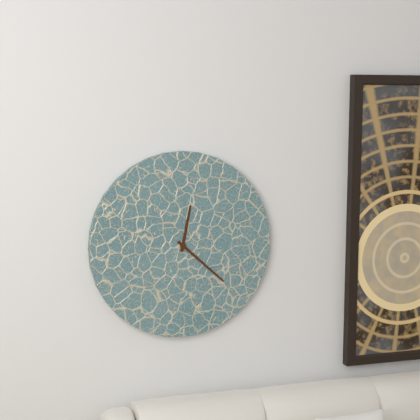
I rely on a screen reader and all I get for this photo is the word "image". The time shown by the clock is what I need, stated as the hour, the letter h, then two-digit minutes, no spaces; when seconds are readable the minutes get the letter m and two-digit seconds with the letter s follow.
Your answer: 12h22
